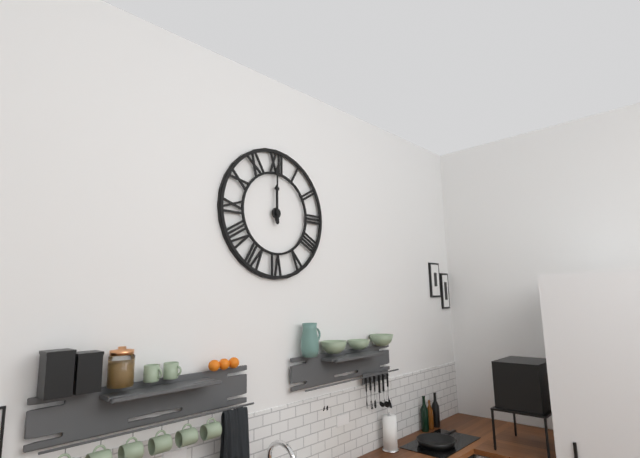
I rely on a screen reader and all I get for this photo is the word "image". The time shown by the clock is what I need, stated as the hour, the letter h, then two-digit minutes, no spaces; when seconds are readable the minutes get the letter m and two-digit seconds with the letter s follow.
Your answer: 12h00
